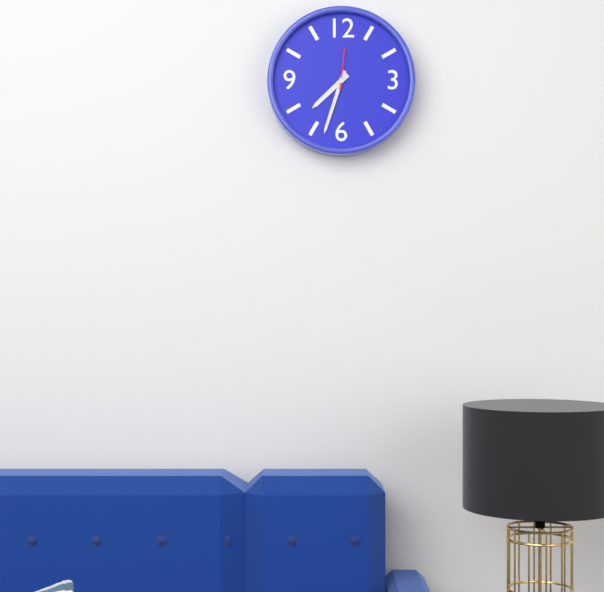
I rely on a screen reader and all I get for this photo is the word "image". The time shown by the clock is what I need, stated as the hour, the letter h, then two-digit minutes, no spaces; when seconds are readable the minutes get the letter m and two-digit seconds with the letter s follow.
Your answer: 7h33
